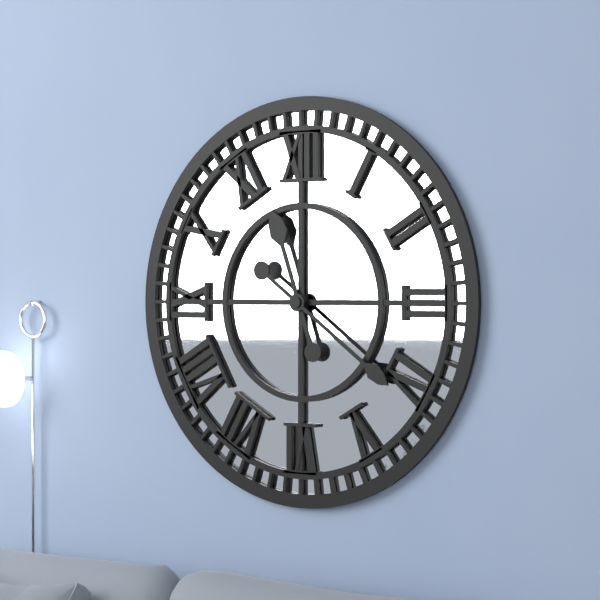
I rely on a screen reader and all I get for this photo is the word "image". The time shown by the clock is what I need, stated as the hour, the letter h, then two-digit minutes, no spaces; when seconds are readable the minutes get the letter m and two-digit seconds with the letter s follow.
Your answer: 11h21
